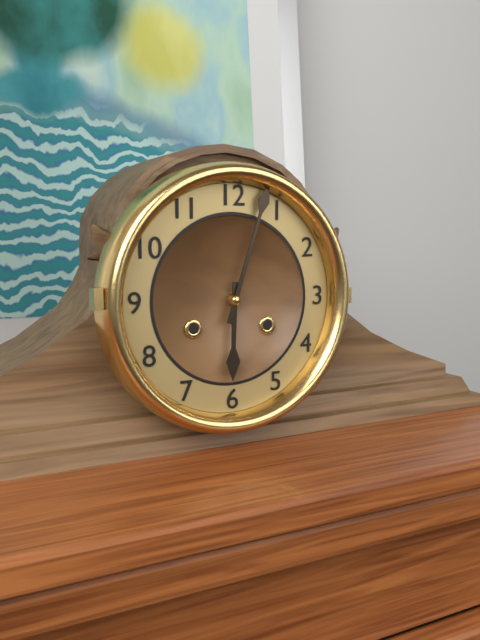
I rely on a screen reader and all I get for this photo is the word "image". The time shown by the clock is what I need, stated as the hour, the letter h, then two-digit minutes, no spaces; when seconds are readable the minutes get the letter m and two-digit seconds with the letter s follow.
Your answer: 6h03
